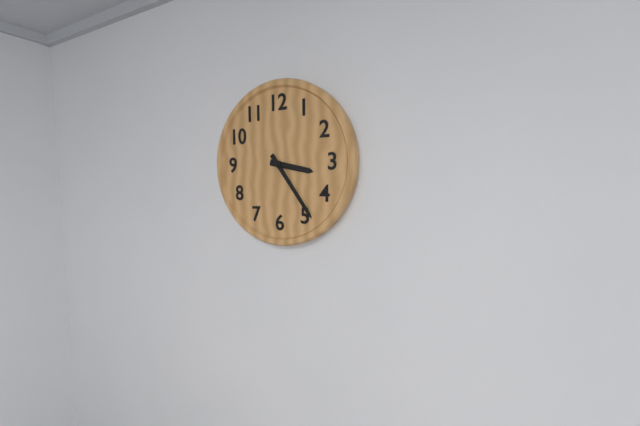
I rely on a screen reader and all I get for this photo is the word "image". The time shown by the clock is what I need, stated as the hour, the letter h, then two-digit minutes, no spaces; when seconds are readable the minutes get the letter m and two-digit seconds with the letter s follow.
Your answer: 3h24
